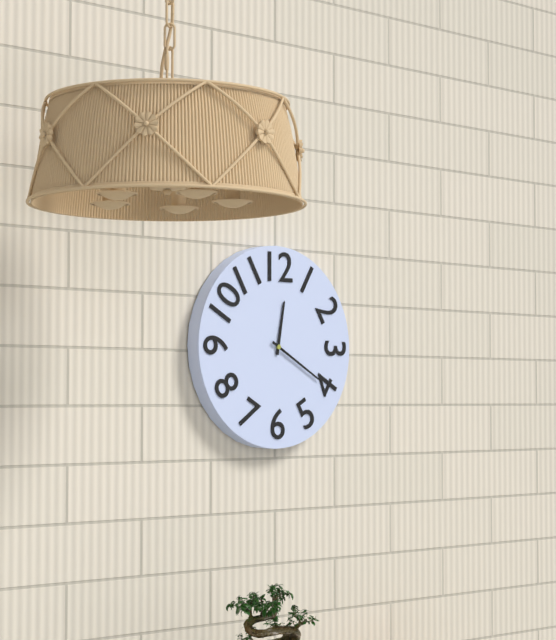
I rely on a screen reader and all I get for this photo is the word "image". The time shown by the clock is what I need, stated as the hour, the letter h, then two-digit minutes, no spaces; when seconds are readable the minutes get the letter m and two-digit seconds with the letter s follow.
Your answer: 12h20
